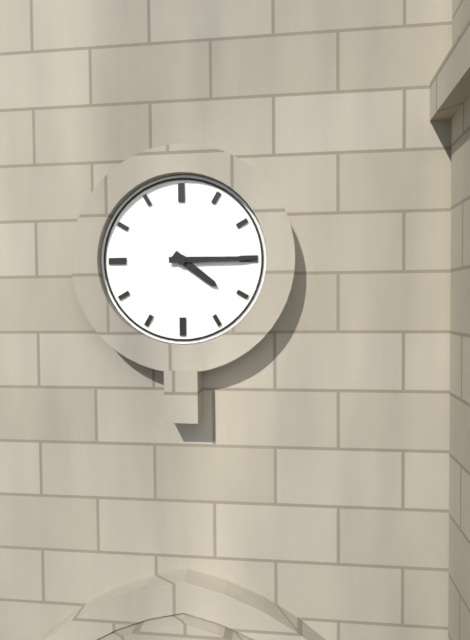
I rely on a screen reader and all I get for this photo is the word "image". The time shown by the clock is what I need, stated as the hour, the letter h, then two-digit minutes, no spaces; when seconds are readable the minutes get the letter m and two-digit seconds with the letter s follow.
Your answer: 4h15
